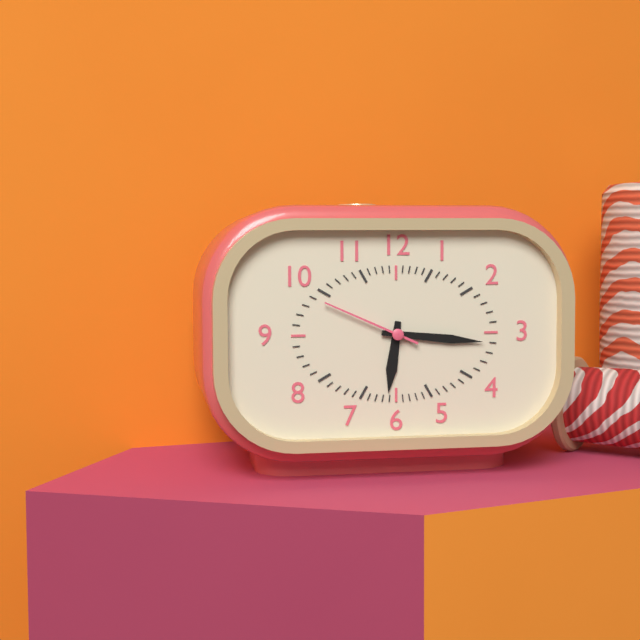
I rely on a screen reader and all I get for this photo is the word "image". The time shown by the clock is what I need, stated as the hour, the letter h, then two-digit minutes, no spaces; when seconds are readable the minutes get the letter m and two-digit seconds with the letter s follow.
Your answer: 6h16m49s
